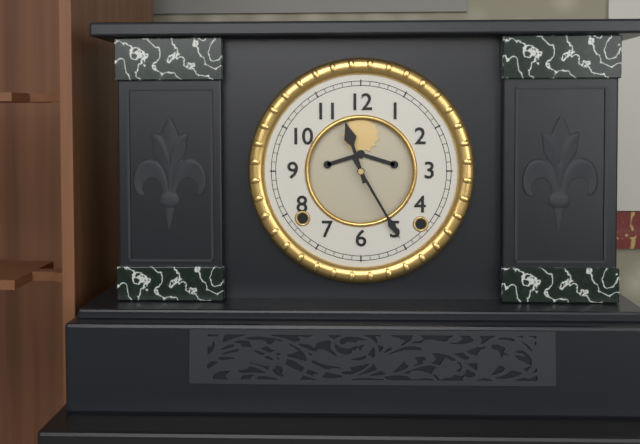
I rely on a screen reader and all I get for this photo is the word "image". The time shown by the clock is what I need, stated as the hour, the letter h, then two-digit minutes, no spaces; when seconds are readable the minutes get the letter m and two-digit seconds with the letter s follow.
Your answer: 11h25
